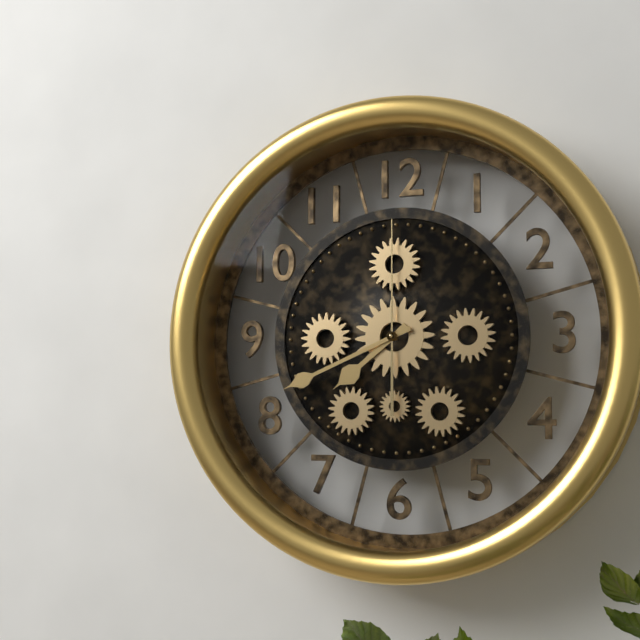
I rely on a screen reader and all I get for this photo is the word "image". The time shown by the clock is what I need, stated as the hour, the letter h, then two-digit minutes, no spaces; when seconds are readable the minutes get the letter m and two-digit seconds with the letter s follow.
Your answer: 7h41m00s
